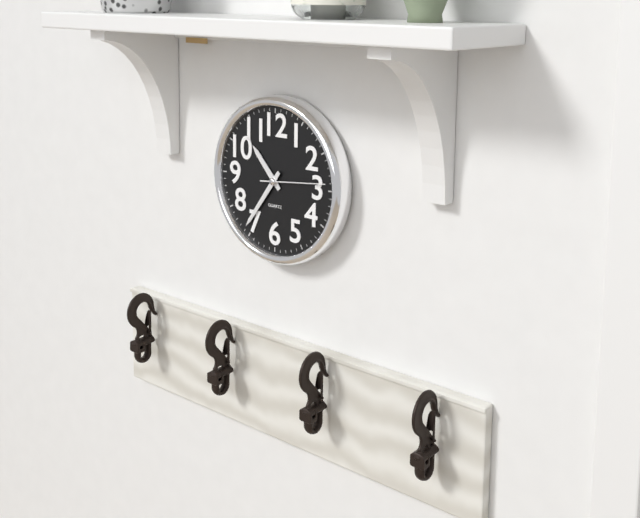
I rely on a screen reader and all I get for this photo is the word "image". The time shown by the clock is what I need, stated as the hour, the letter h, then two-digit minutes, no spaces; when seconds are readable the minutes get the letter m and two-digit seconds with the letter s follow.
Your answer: 10h36m14s
